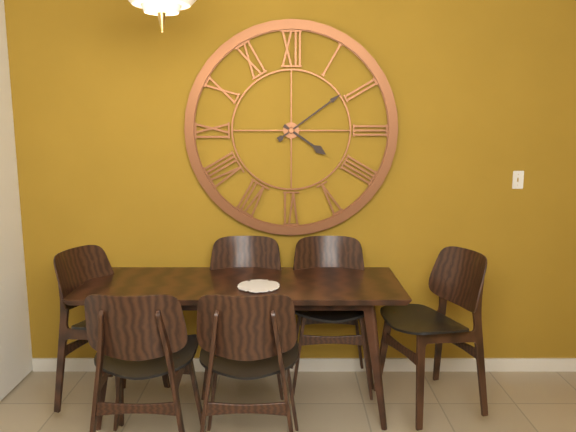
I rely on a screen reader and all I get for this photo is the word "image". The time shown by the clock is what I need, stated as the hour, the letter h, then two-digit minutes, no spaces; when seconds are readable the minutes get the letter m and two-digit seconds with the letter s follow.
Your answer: 4h09
